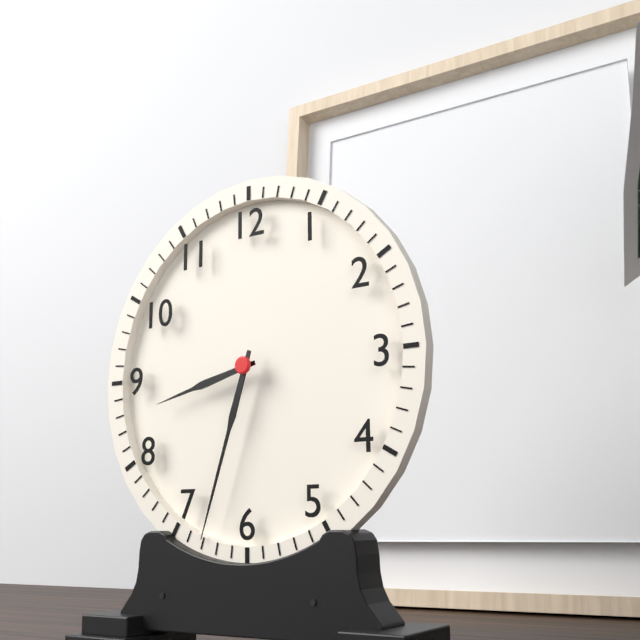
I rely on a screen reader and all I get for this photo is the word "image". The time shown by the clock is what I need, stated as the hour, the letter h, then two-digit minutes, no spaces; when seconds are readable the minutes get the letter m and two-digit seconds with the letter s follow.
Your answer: 8h33
